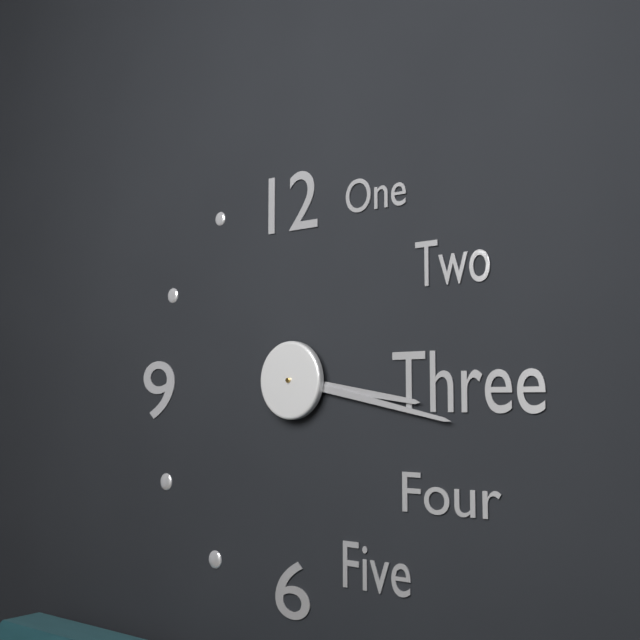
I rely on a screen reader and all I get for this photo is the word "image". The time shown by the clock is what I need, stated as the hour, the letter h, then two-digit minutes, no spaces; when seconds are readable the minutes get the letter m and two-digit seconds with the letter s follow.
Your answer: 3h17
